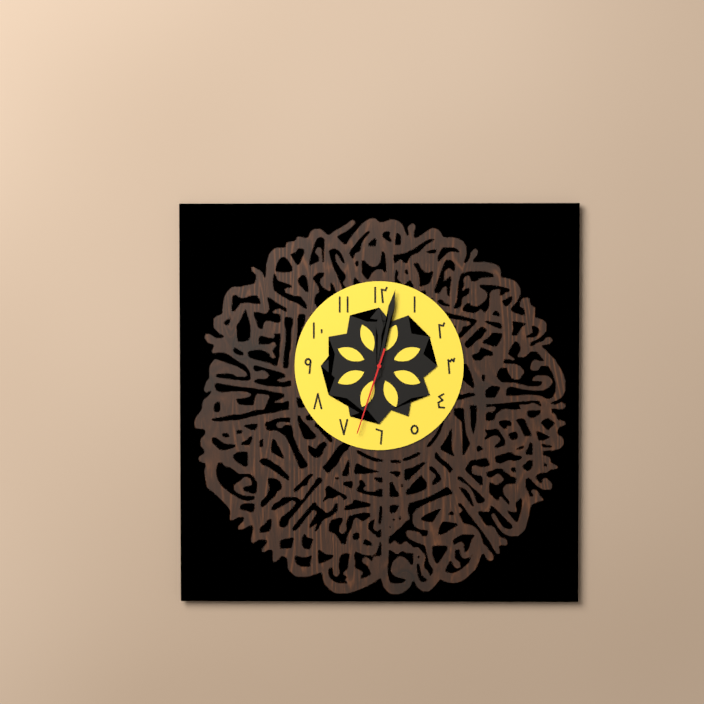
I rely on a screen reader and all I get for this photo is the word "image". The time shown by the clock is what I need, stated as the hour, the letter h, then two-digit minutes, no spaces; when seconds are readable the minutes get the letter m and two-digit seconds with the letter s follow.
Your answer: 12h02m33s
